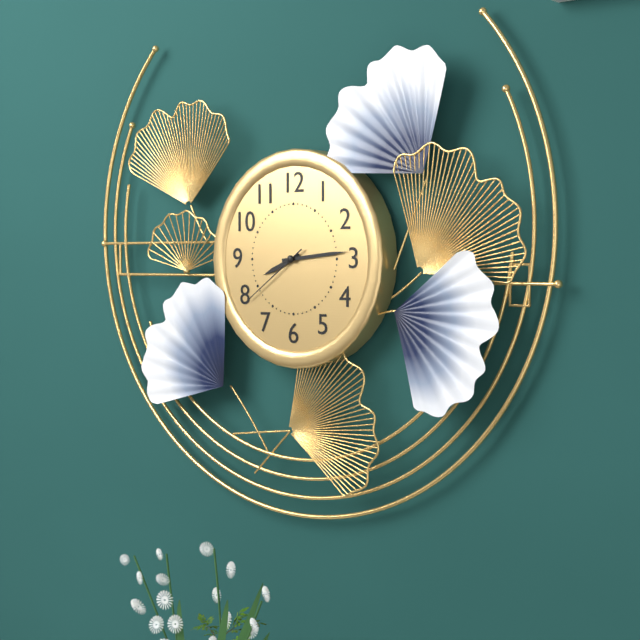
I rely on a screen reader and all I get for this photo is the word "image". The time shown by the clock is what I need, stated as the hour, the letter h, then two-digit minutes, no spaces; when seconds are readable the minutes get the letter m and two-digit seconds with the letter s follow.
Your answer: 8h14m39s
